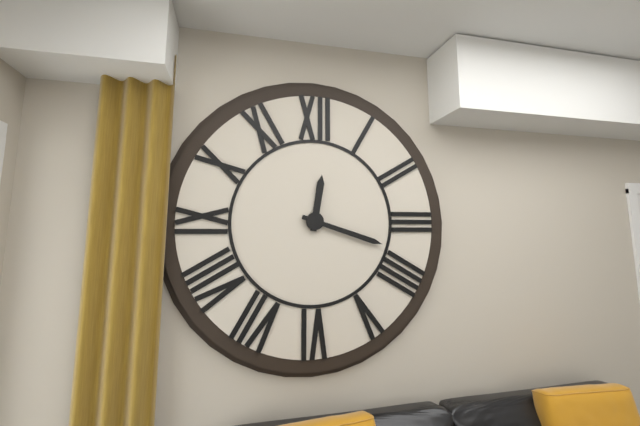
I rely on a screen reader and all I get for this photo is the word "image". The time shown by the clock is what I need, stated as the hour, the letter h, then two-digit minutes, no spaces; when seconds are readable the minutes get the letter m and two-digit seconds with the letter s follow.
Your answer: 12h18
